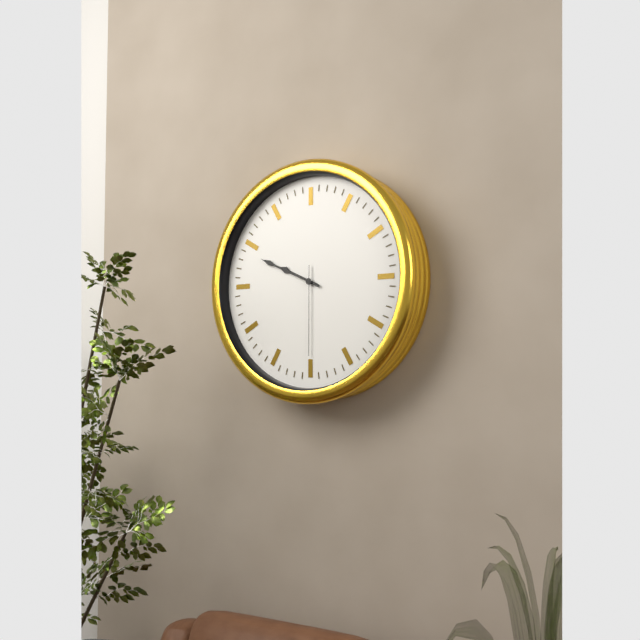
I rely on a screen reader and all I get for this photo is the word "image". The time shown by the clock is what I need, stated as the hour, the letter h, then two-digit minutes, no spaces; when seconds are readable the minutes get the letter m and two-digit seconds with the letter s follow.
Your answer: 9h49m30s
